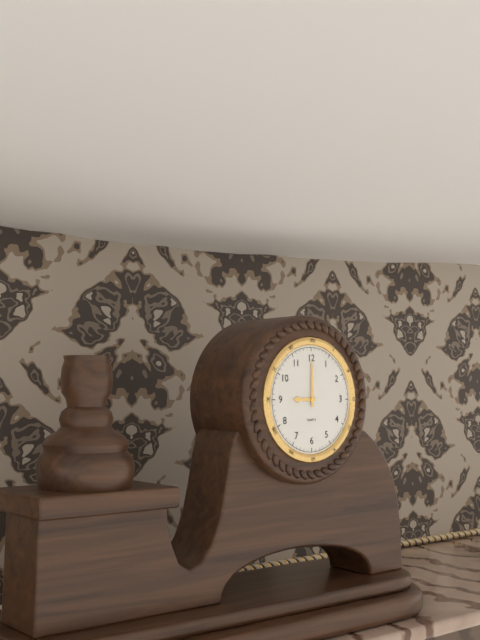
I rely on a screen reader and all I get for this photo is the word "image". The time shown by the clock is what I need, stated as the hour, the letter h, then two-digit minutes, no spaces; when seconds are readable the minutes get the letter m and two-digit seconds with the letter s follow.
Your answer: 9h00
